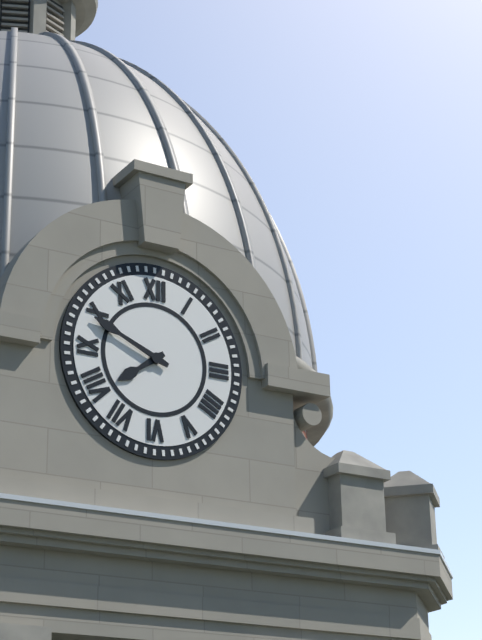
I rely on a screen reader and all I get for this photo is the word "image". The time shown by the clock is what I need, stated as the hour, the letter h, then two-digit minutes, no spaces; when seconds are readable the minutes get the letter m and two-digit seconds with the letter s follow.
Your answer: 7h49
